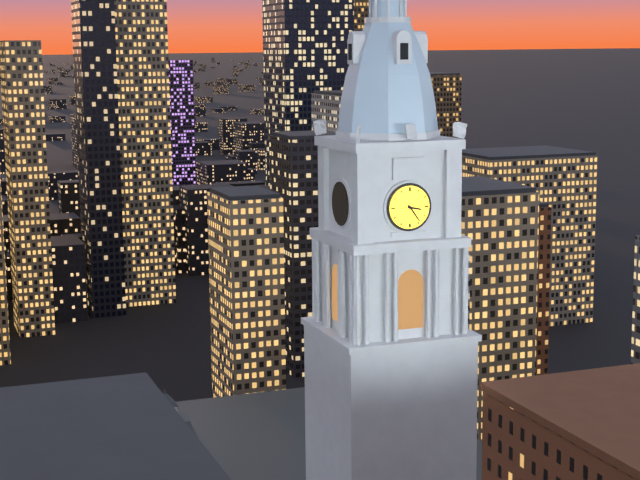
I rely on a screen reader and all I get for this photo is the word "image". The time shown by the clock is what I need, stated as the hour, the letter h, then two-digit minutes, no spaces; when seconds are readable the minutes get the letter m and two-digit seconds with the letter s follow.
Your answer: 3h24
